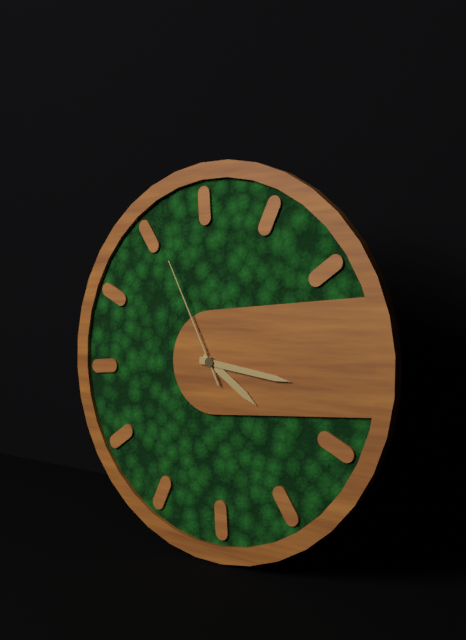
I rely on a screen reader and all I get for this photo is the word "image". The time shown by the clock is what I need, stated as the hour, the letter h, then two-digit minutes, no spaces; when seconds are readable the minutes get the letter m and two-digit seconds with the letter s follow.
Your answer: 4h17m56s
